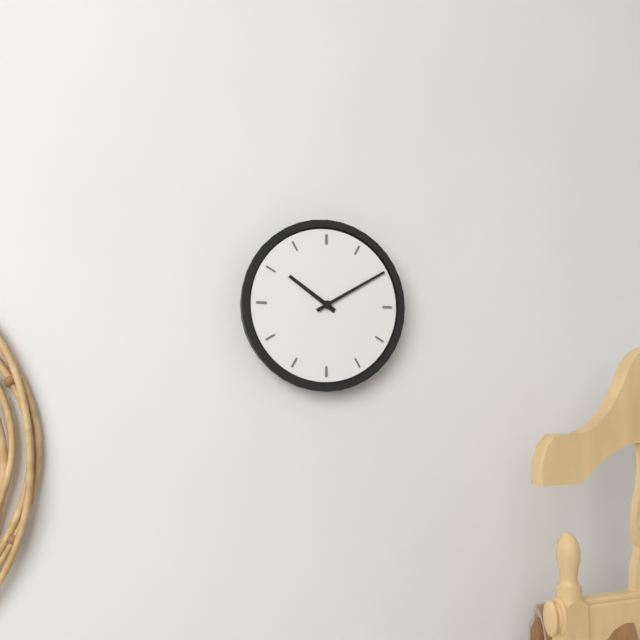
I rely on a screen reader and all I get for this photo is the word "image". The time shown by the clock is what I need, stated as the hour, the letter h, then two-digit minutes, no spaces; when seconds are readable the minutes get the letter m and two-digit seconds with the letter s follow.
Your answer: 10h10
